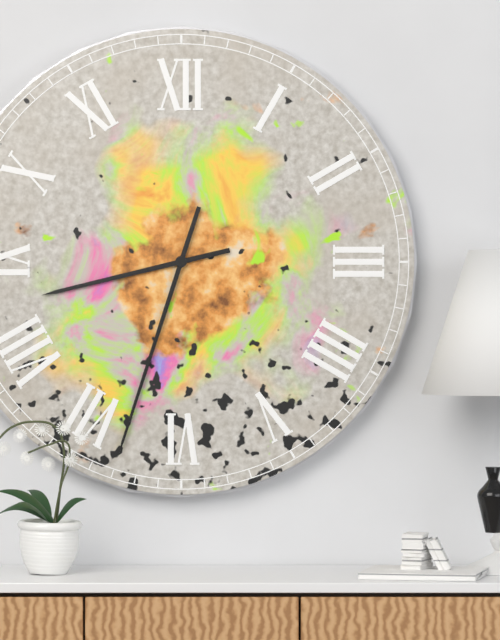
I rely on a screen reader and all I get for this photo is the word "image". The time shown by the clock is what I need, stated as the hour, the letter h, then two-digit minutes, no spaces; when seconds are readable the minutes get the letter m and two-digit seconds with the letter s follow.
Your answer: 8h33
